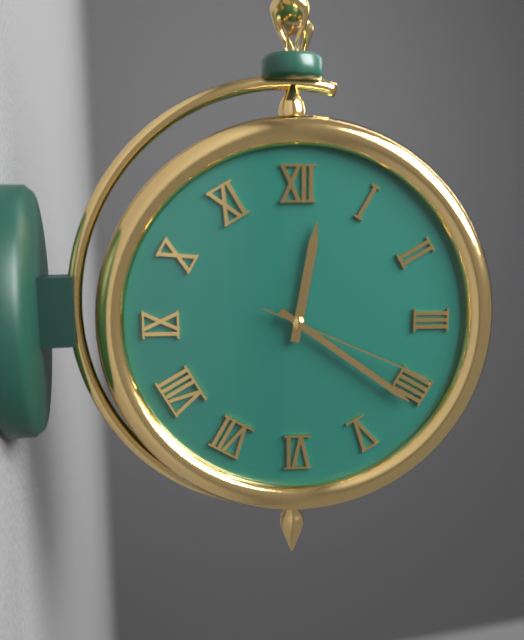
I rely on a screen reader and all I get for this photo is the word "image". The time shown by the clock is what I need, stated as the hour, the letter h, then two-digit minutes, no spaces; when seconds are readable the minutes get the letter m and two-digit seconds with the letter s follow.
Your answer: 12h21m19s
